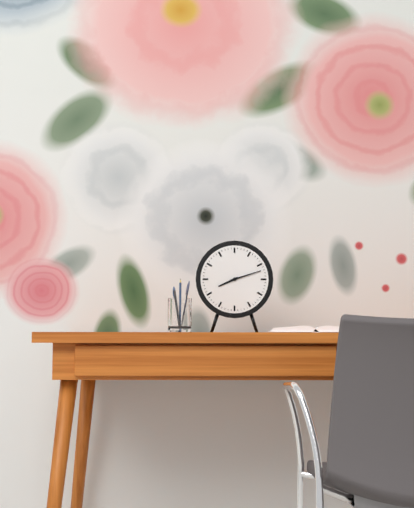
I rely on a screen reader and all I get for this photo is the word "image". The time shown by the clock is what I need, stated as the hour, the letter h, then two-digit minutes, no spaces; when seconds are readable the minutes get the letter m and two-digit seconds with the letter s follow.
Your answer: 8h12
